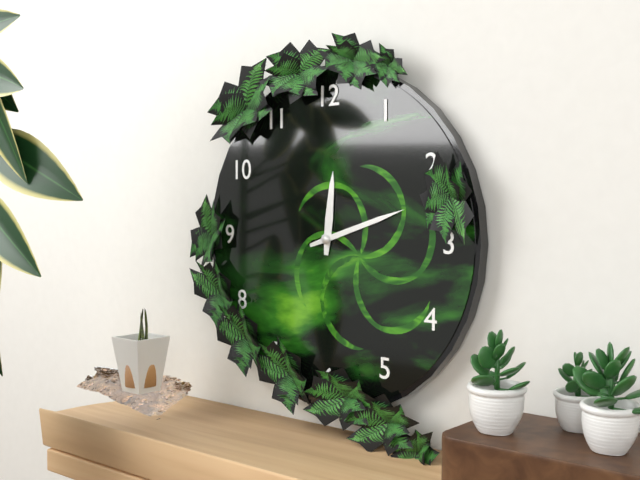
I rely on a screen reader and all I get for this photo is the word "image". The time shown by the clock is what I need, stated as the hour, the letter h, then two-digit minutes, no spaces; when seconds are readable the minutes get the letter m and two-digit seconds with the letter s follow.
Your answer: 12h12
